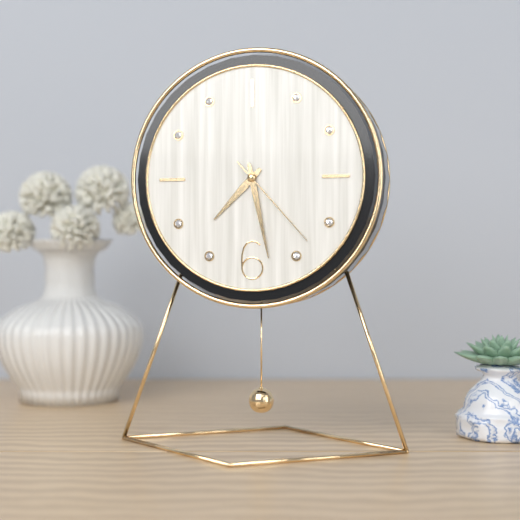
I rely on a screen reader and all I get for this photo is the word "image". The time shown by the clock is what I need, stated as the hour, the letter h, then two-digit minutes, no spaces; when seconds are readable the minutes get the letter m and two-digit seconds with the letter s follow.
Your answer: 7h28m23s
